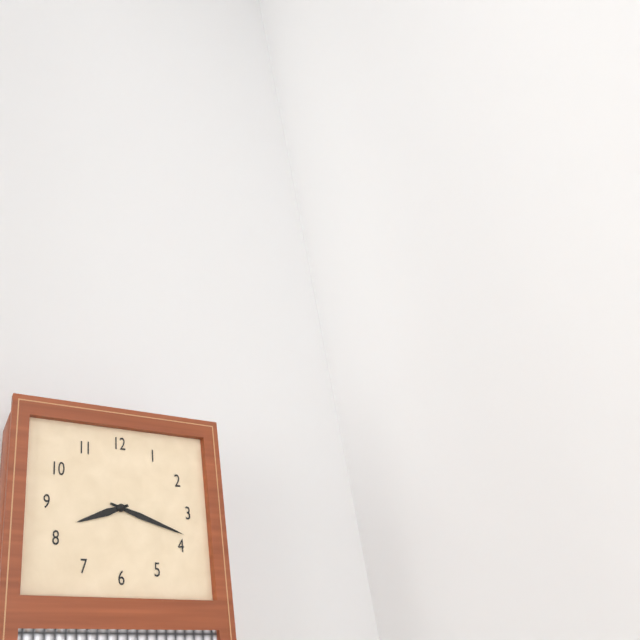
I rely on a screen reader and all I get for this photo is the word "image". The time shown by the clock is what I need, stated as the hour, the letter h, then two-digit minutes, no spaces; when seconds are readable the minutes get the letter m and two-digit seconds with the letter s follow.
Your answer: 8h18
